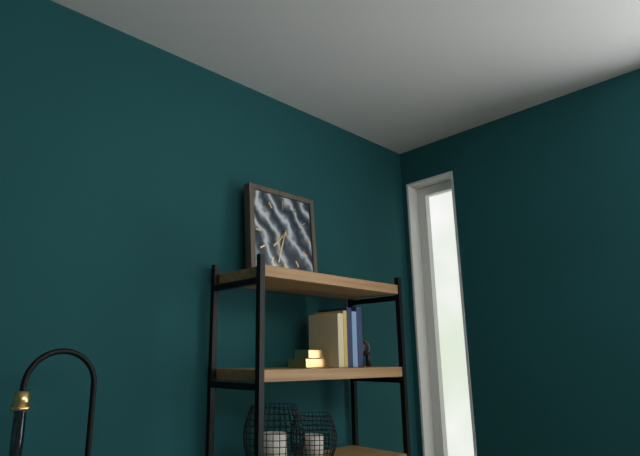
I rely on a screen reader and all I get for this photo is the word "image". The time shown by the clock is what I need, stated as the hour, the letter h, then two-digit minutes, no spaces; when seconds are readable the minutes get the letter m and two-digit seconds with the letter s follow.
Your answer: 7h33
